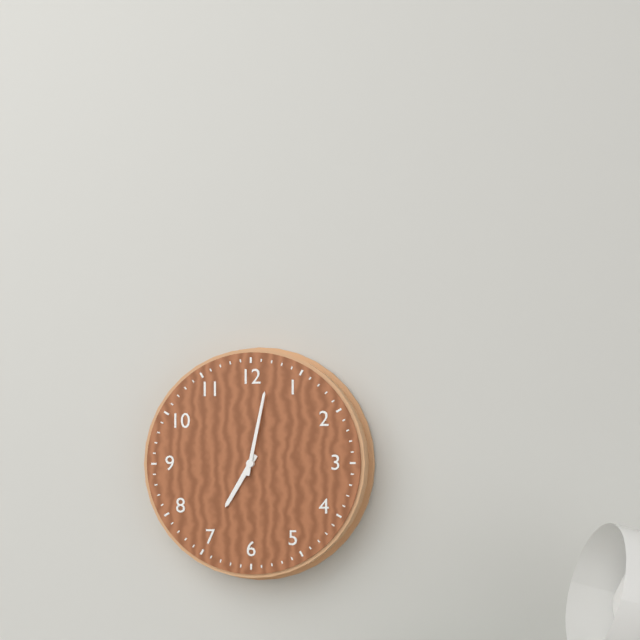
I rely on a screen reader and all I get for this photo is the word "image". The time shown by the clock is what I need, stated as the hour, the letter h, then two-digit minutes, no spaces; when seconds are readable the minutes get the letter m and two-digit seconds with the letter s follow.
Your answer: 7h02
